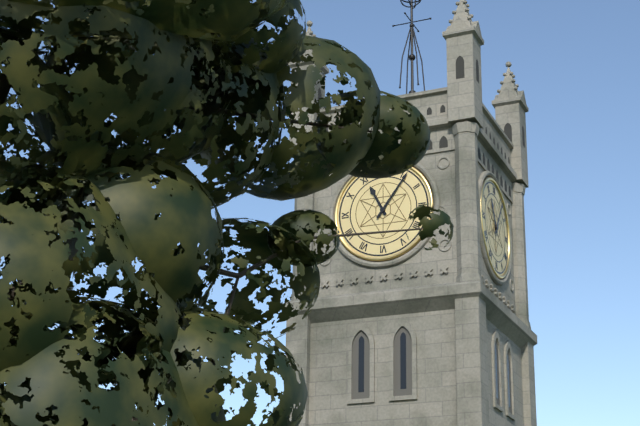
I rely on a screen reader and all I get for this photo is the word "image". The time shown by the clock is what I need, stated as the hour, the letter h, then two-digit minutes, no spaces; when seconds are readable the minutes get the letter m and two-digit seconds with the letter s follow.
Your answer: 11h06
